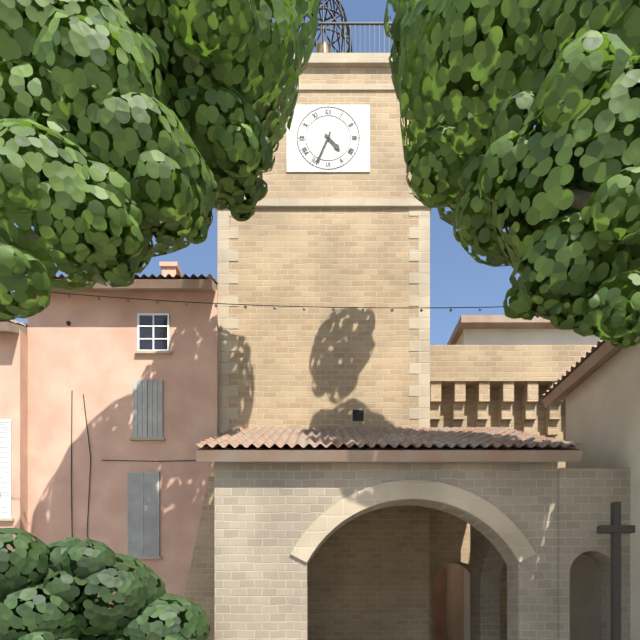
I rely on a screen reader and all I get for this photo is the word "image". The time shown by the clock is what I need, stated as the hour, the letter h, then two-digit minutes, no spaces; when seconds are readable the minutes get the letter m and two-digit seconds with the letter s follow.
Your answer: 4h34
